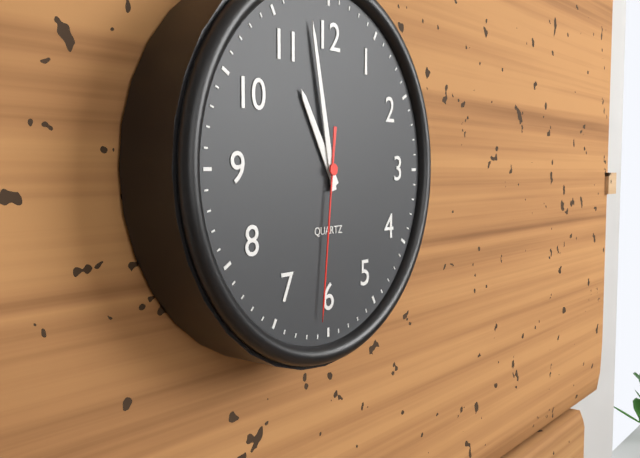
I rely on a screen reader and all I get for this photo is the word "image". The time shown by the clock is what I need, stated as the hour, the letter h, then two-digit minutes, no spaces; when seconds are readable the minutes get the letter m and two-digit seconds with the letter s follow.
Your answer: 10h58m31s
